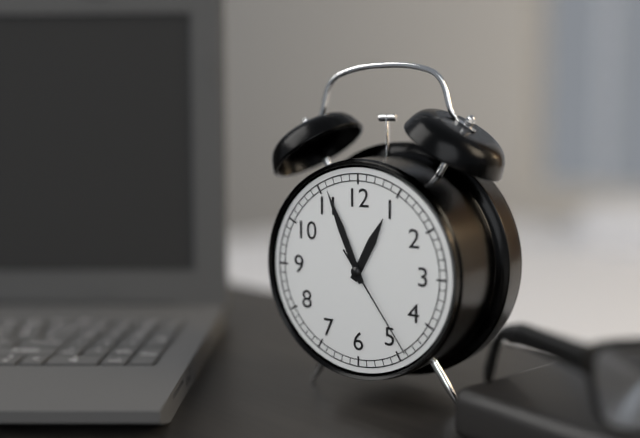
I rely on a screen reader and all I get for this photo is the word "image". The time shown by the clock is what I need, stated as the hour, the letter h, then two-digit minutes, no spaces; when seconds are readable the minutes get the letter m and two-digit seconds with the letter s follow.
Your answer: 12h56m24s
